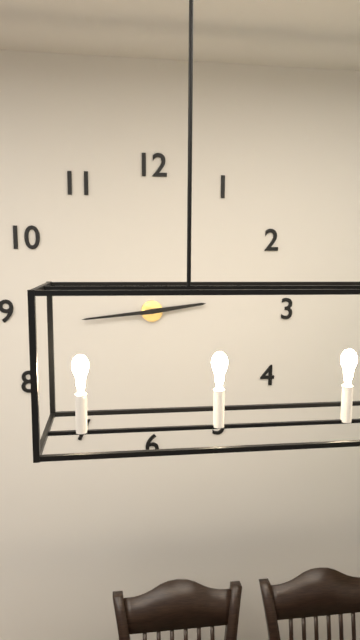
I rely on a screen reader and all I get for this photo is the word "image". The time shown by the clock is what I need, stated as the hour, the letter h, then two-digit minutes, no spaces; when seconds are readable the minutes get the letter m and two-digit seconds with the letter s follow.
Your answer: 2h44
